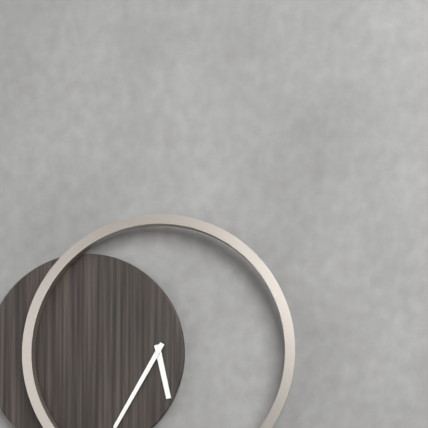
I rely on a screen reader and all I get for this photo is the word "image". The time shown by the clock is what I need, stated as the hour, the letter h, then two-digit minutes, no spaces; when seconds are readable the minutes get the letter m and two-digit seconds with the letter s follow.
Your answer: 5h35
